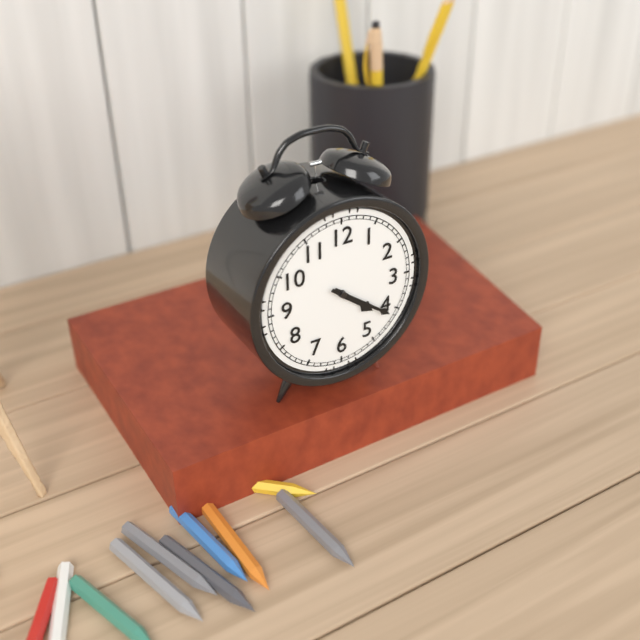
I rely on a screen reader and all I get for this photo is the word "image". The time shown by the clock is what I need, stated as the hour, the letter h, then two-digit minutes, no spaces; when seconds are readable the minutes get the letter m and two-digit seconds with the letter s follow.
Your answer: 4h21
